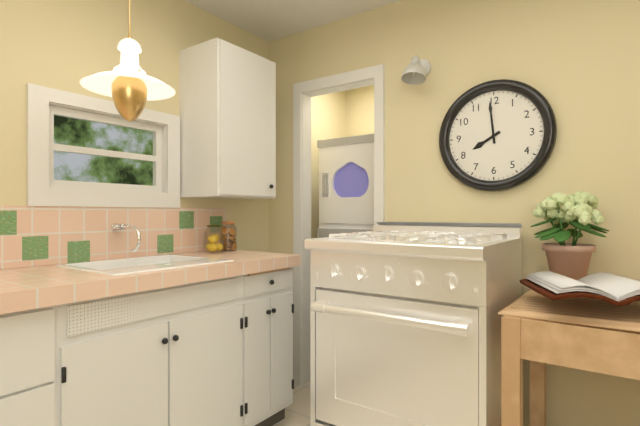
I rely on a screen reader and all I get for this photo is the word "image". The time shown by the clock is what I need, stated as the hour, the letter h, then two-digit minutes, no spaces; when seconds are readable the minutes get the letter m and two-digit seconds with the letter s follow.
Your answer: 7h59
